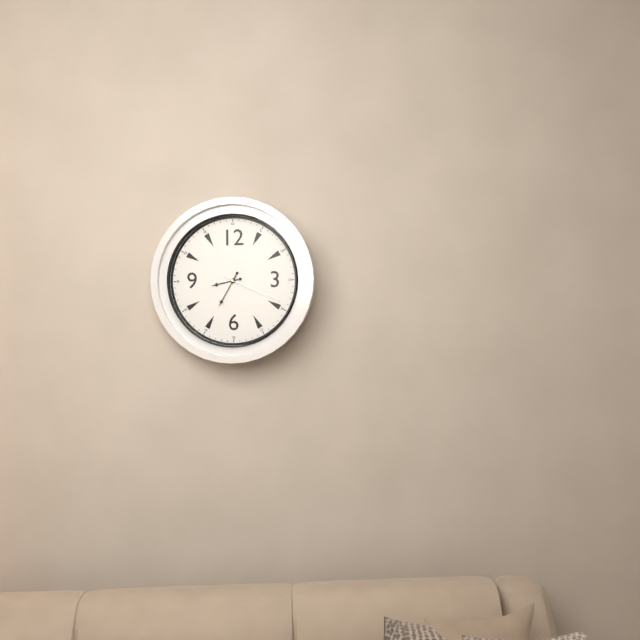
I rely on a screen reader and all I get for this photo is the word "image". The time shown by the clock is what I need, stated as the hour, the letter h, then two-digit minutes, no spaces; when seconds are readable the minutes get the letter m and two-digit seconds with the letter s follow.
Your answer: 8h35m19s
